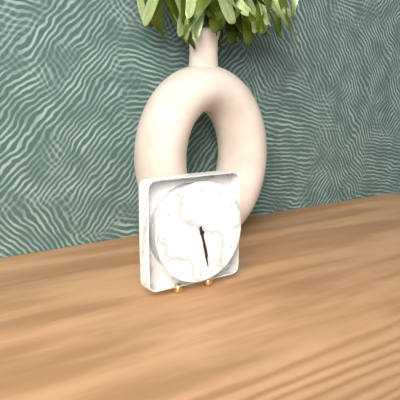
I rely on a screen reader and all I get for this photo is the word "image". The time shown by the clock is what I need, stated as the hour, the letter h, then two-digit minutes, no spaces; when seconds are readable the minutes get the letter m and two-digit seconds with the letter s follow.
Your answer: 5h28
